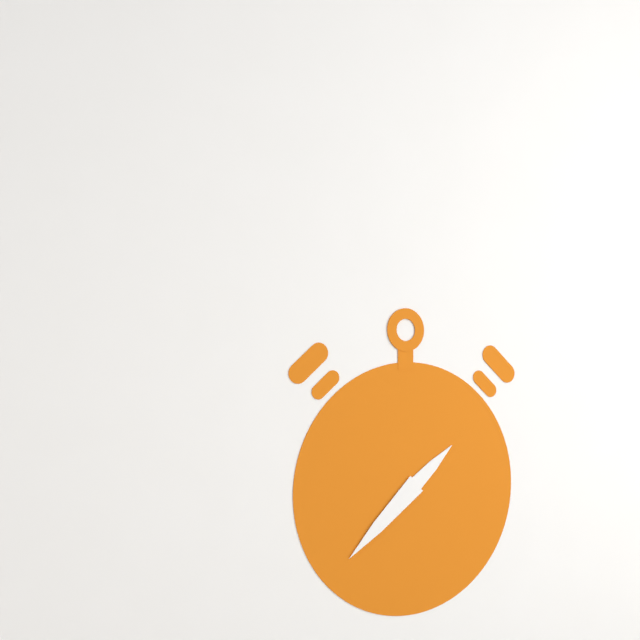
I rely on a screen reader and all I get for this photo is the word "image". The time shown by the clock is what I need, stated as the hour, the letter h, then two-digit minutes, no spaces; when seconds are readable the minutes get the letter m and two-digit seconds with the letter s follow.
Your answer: 1h38
